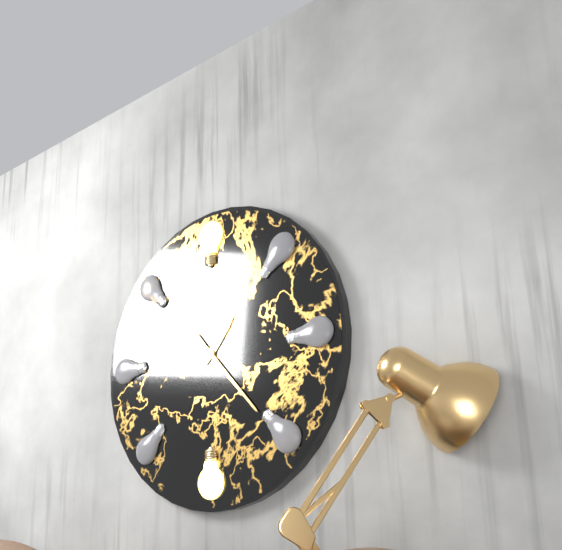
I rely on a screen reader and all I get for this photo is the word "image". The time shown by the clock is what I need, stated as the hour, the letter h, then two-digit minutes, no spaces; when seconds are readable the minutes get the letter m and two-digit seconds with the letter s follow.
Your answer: 1h23
